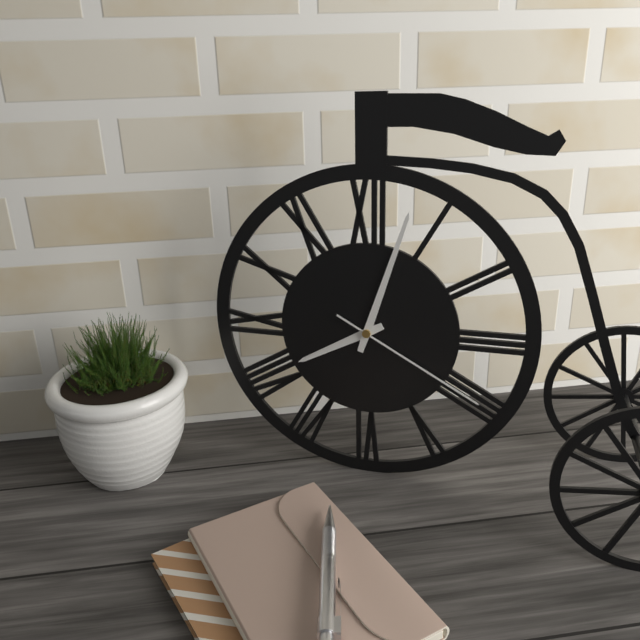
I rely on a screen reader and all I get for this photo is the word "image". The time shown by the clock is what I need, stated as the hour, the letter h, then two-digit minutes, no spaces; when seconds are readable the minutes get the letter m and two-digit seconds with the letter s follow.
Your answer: 8h03m20s
